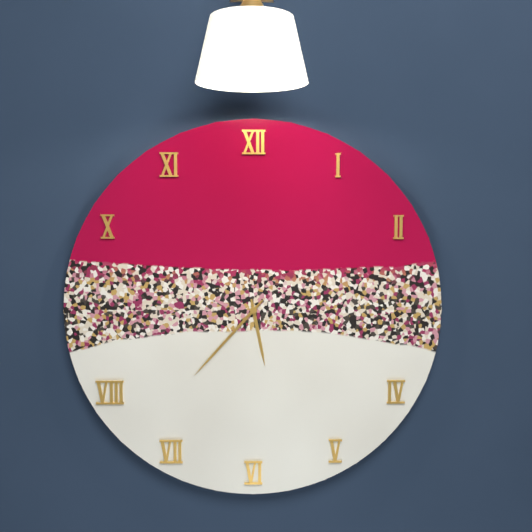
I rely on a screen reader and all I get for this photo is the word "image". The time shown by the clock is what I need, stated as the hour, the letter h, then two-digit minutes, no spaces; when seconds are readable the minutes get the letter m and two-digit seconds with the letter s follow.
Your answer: 5h37m37s
